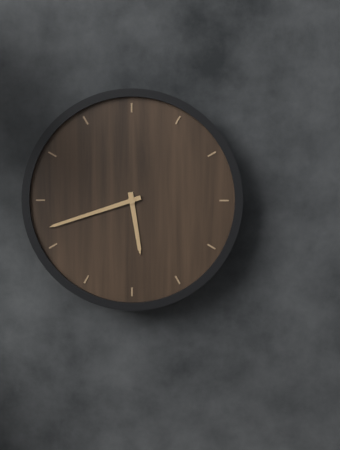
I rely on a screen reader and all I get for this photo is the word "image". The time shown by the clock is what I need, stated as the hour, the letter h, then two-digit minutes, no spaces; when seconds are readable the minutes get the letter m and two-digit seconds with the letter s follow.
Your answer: 5h42
